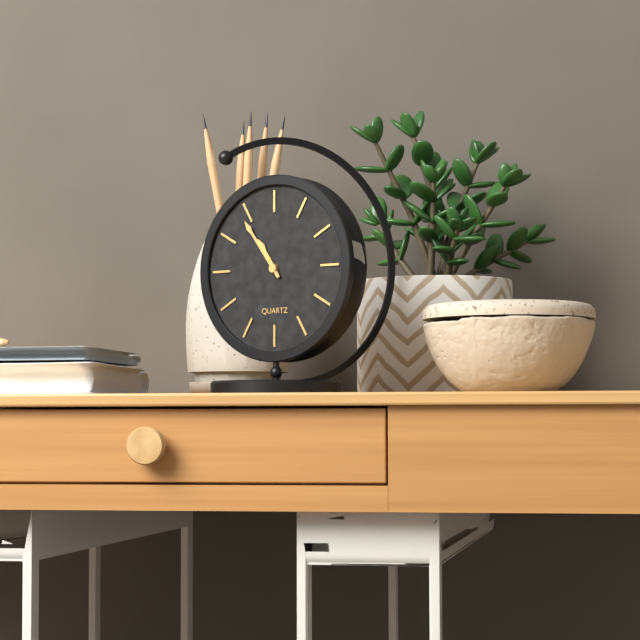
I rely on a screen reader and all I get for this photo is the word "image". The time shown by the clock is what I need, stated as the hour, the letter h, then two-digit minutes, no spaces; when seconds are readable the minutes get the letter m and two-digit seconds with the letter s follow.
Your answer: 10h54
